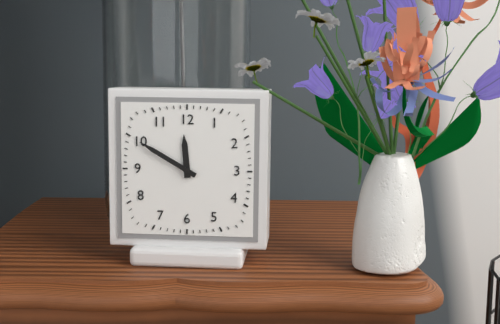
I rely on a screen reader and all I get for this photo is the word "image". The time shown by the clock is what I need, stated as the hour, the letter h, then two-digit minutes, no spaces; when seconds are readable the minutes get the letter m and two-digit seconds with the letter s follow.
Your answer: 11h50
